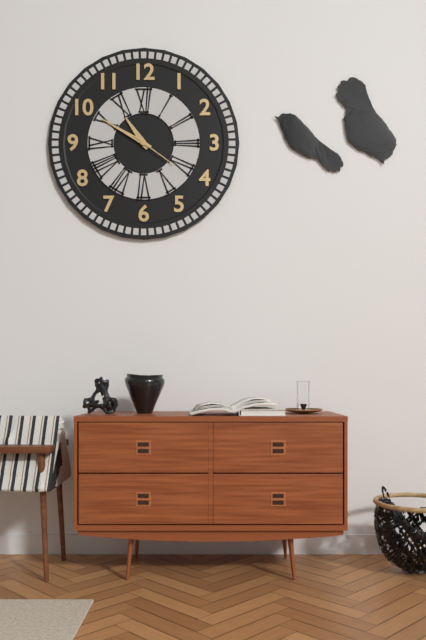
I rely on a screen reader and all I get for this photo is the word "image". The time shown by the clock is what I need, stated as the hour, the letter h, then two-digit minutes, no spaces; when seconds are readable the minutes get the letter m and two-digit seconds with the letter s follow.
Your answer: 10h50
